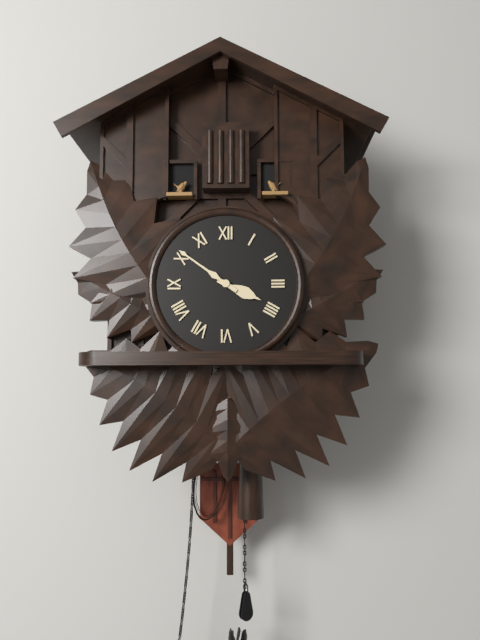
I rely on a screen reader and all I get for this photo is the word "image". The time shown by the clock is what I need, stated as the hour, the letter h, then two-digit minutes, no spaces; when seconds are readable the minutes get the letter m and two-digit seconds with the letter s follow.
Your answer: 3h51
